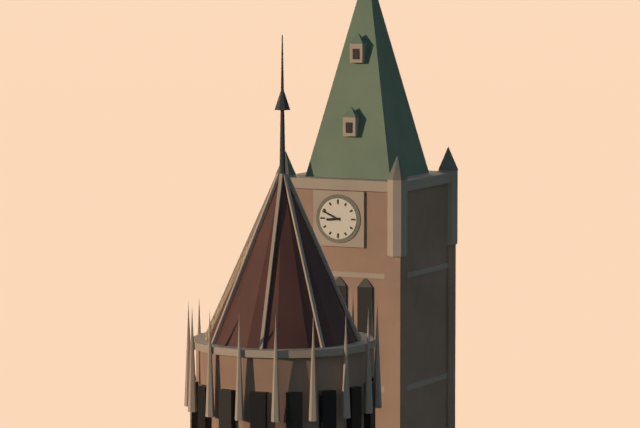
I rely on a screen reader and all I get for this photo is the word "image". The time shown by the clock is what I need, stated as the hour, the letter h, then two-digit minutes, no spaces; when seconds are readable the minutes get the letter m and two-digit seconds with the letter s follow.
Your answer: 8h49
